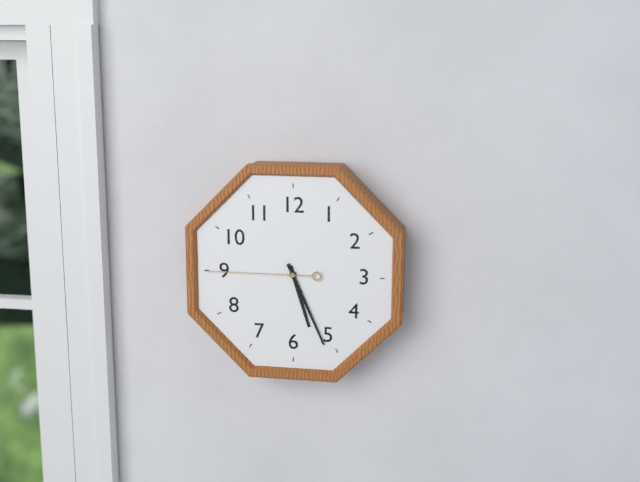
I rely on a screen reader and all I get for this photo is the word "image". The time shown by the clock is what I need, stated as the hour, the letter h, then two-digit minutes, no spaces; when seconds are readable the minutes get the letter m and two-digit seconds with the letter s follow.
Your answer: 5h26m45s
